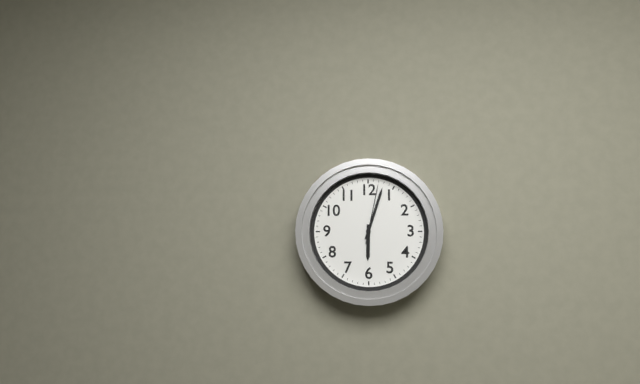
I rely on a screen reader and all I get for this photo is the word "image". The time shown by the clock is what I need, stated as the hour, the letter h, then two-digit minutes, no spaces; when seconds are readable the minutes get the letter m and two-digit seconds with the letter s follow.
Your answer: 6h03m02s
